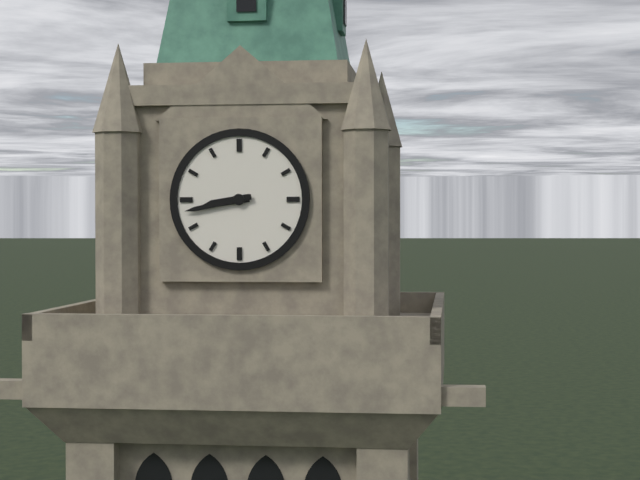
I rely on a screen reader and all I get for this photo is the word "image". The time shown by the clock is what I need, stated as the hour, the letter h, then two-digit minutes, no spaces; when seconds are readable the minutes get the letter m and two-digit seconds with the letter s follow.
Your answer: 8h43
